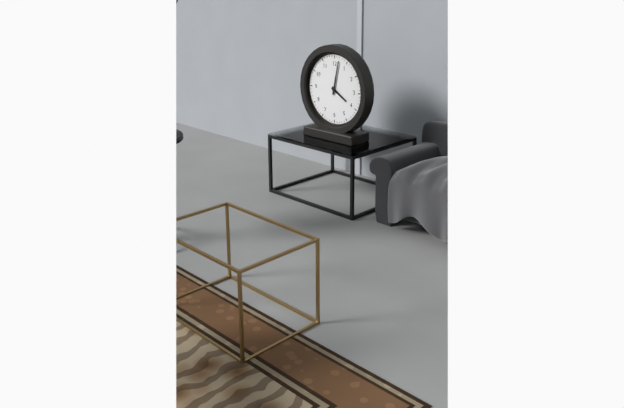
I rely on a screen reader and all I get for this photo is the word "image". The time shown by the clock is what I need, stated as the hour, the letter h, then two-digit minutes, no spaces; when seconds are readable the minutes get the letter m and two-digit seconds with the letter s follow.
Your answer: 4h02
